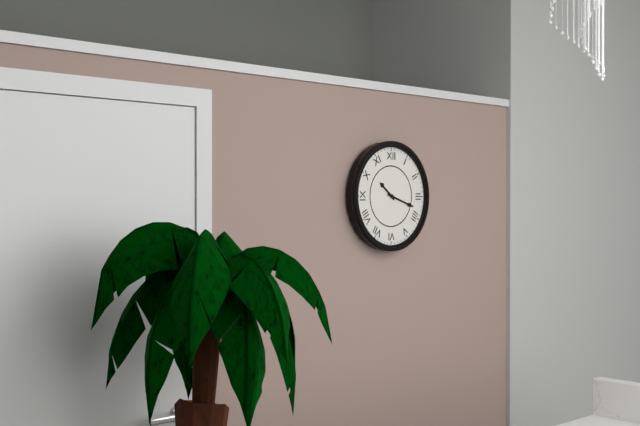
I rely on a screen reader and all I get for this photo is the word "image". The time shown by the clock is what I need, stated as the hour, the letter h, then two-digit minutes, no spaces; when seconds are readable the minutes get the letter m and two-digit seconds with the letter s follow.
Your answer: 10h18
